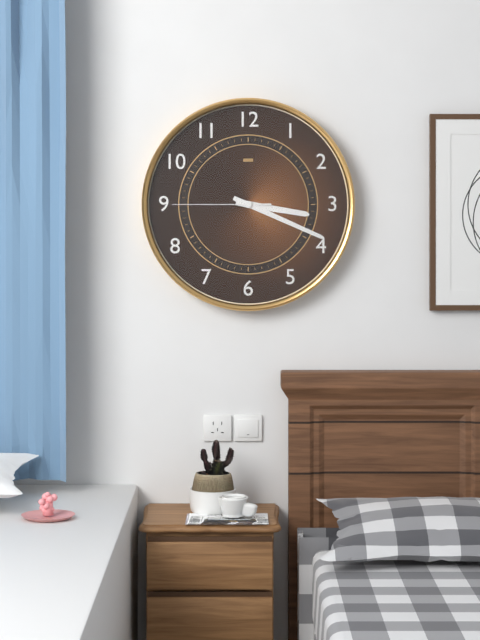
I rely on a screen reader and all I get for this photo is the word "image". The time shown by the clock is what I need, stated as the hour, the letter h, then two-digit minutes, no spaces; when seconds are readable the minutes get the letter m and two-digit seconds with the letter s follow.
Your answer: 3h19m45s
